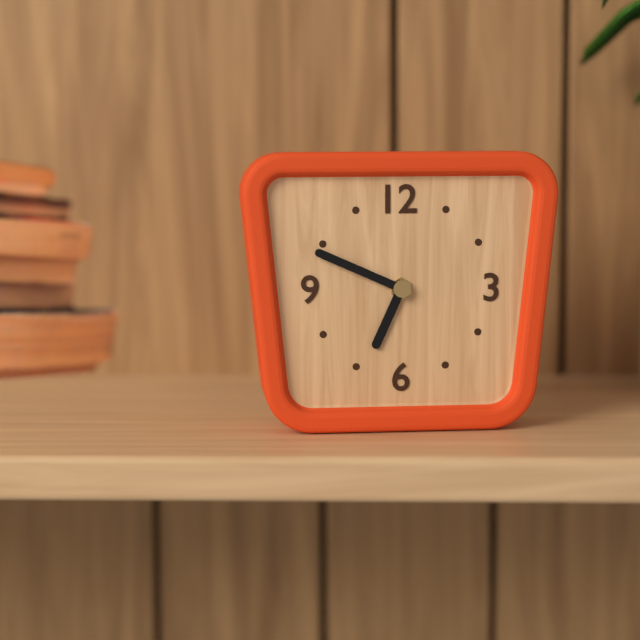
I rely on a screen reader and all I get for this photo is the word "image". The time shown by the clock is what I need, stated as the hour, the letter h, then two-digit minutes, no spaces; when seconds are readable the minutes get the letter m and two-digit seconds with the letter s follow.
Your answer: 6h49
